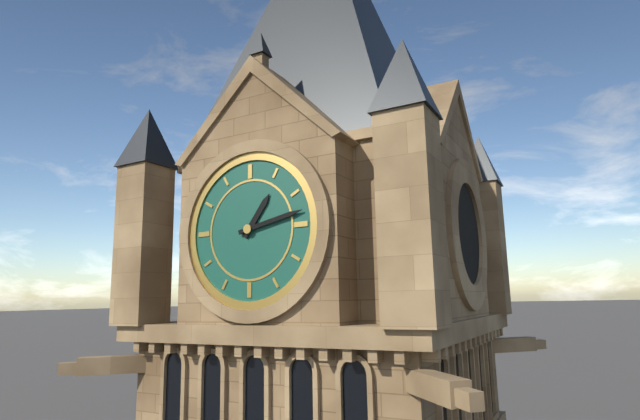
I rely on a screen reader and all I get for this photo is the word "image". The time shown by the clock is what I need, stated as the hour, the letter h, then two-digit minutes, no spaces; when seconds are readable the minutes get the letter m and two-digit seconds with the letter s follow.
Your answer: 1h13
